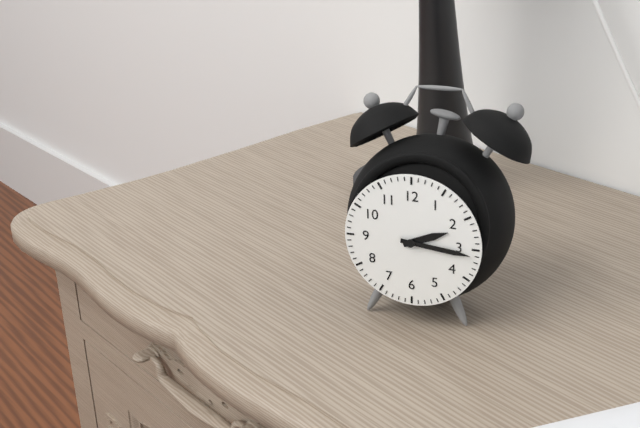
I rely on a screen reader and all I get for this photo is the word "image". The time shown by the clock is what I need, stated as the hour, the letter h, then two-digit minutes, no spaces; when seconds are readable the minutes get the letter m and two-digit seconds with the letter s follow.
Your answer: 2h16
